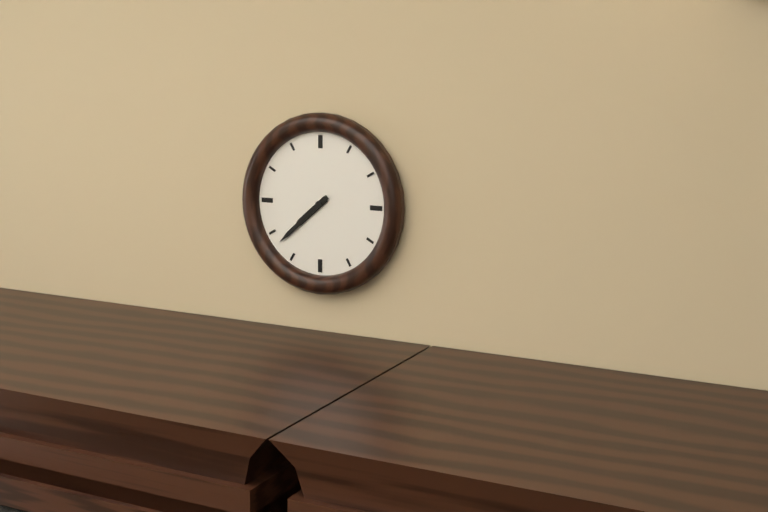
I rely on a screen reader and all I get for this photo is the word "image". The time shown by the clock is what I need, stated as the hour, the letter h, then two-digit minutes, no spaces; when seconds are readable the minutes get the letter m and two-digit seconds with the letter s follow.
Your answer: 7h38
